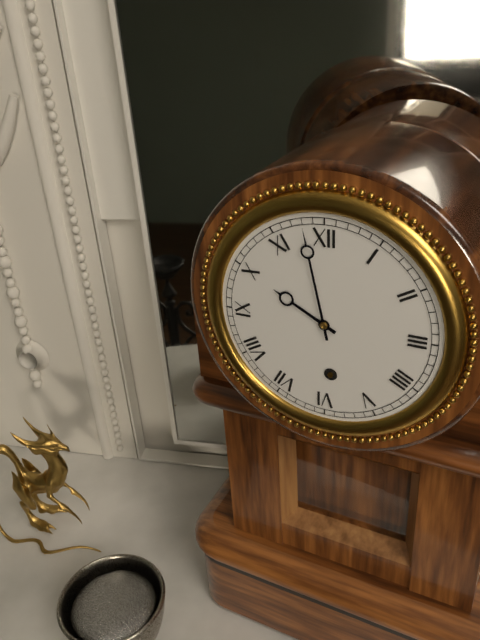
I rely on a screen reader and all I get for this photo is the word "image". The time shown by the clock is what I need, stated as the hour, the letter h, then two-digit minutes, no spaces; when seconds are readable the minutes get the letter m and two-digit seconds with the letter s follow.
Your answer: 9h58
